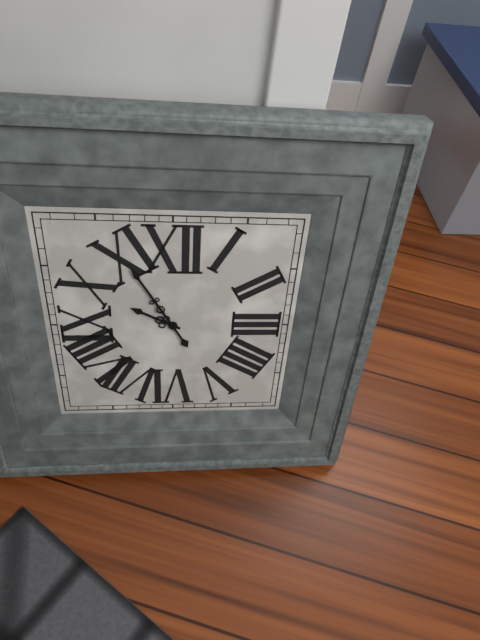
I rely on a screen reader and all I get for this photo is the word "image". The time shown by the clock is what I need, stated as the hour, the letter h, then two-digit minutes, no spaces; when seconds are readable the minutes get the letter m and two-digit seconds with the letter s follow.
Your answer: 9h55
